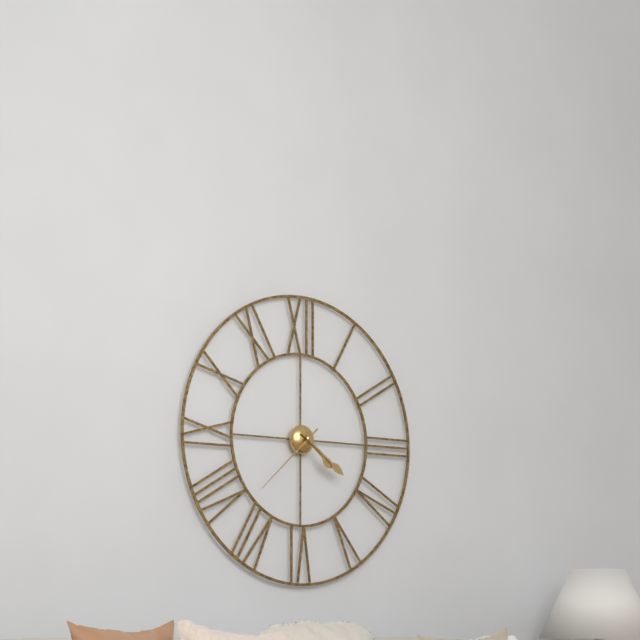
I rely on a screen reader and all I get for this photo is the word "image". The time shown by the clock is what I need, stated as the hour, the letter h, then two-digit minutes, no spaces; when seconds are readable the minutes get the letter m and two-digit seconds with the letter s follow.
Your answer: 4h21m38s
